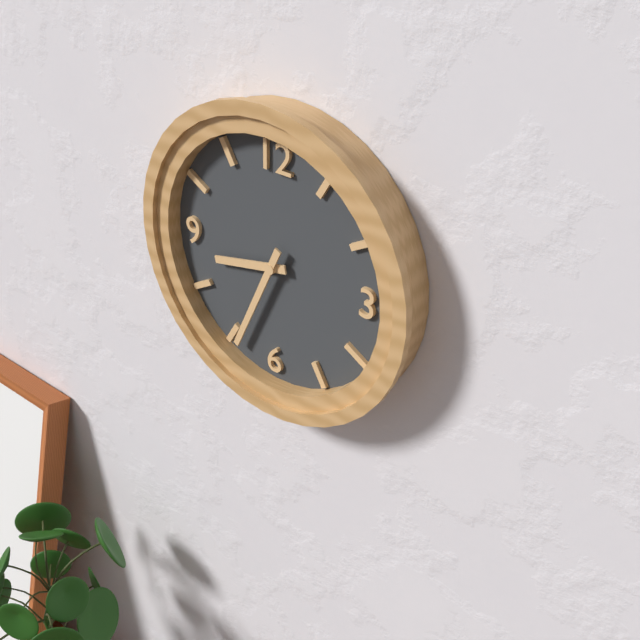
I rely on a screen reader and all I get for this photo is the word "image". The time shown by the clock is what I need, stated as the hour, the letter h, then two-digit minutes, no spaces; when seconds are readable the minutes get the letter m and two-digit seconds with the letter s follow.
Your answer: 8h34
